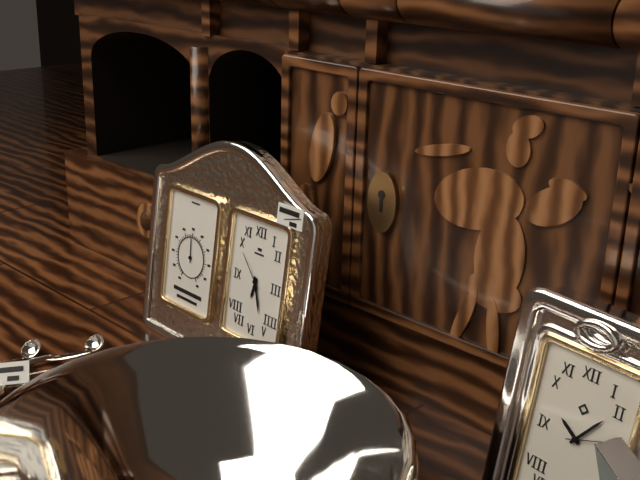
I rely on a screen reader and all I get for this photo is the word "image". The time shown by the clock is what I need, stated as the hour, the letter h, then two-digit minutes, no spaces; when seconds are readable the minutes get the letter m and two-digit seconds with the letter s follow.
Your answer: 6h27
